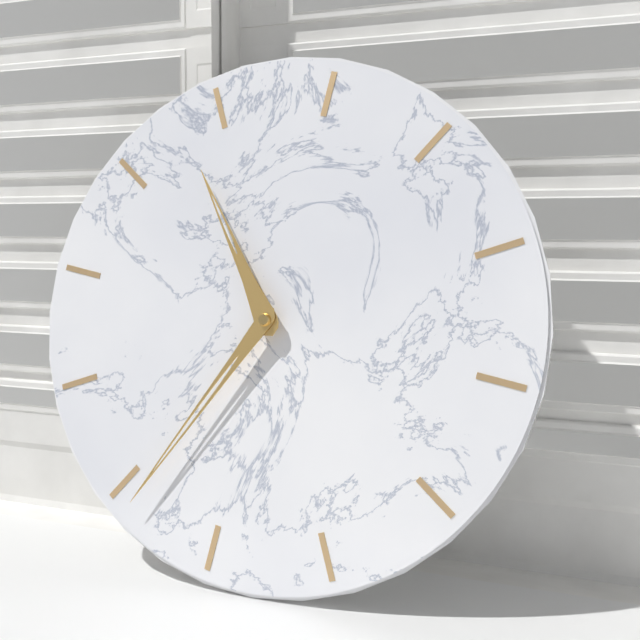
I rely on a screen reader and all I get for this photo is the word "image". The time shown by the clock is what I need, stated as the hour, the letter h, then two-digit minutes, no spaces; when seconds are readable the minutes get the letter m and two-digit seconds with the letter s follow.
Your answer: 11h39
